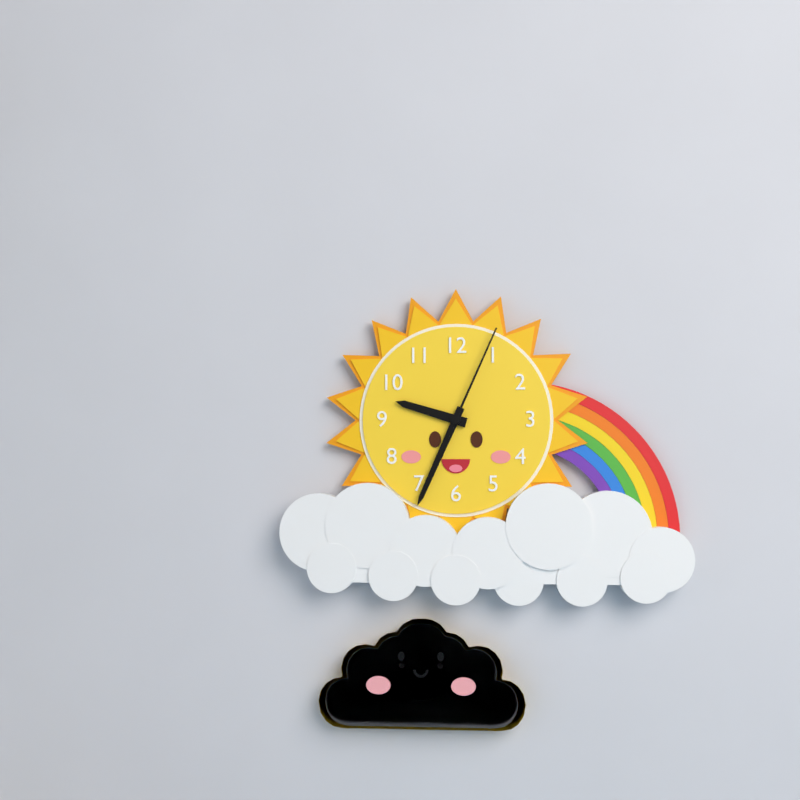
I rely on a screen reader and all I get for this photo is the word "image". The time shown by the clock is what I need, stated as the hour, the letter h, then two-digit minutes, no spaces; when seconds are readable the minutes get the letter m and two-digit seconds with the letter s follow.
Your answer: 9h34m04s
